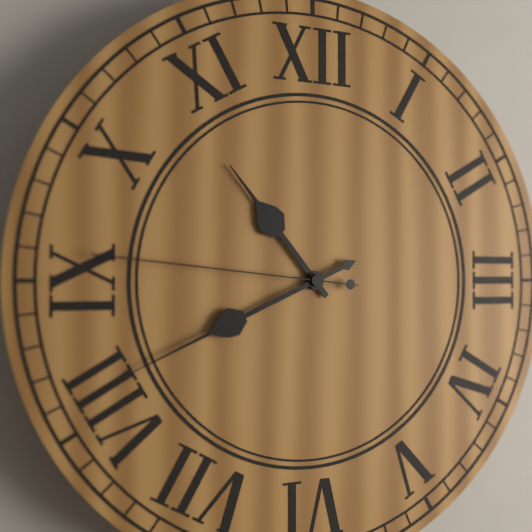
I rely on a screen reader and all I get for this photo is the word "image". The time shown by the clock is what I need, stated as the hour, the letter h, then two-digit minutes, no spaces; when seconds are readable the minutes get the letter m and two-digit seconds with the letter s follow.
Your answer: 10h41m46s
